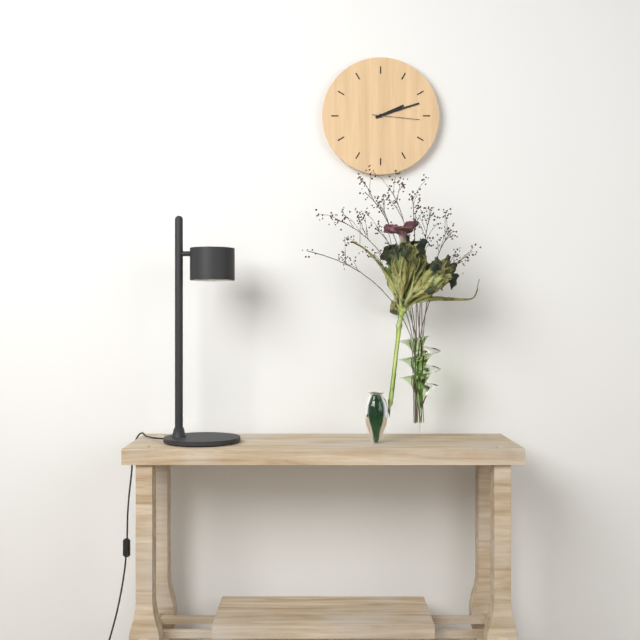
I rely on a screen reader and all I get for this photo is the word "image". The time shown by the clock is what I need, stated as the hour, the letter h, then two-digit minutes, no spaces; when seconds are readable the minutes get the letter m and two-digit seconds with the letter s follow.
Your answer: 2h12
